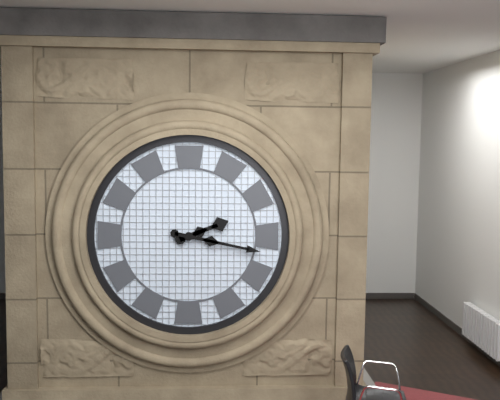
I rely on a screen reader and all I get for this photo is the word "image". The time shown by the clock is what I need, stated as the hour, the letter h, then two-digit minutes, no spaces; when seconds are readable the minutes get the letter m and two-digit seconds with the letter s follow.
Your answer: 2h17
